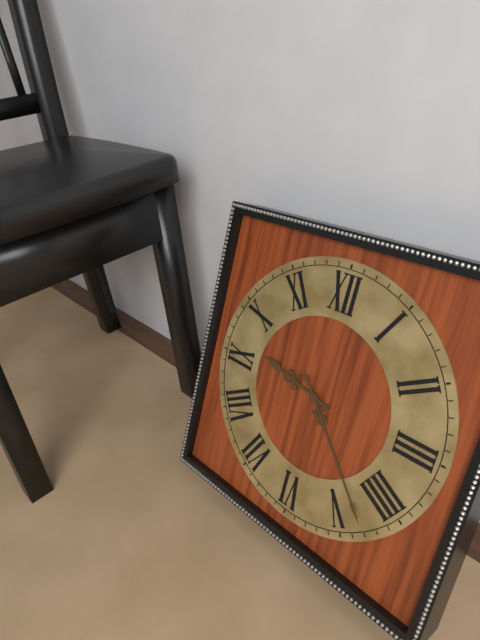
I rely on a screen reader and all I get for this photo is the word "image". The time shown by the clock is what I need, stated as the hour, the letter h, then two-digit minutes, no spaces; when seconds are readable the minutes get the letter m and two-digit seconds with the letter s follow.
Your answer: 9h23
